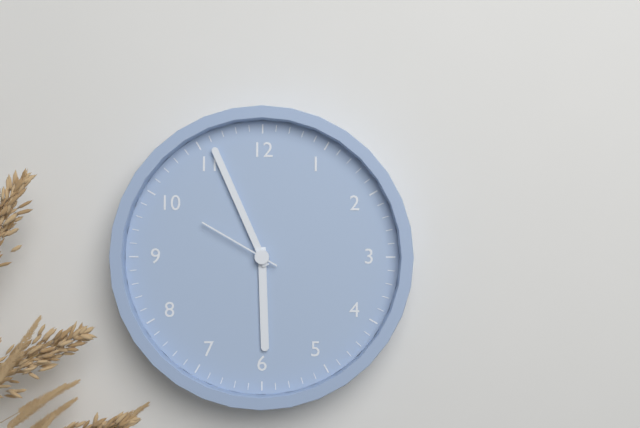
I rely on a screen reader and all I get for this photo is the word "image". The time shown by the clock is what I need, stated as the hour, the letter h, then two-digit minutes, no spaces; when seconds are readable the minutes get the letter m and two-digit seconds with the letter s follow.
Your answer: 5h56m50s
